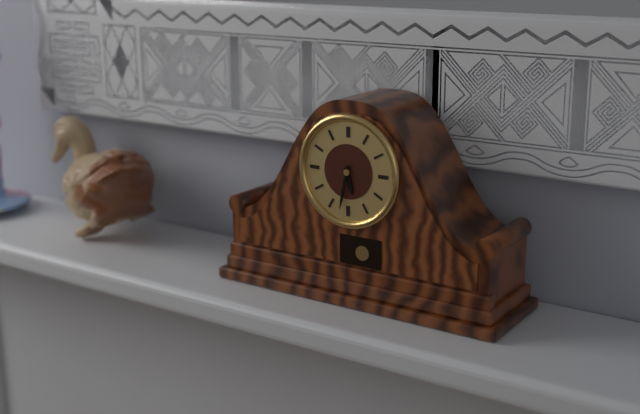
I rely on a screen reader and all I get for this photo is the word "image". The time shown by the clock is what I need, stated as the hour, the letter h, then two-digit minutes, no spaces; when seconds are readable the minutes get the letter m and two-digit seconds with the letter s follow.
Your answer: 5h32
